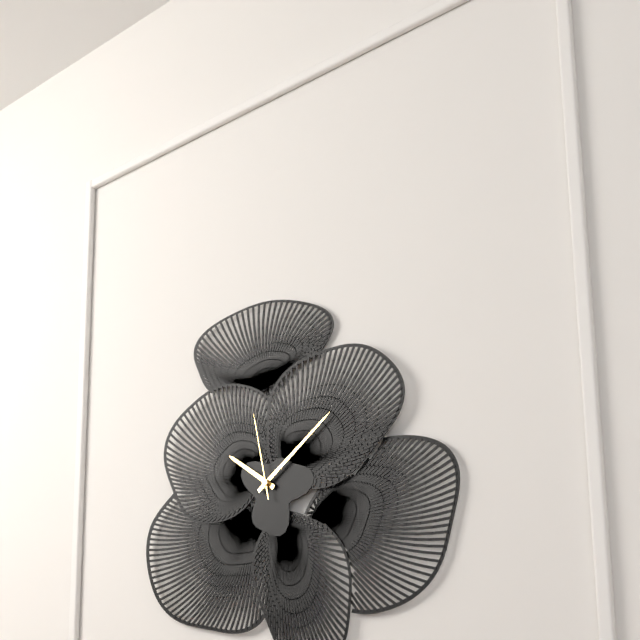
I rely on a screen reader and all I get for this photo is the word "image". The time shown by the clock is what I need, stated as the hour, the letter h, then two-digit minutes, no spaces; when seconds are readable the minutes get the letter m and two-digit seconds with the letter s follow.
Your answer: 10h09m58s
